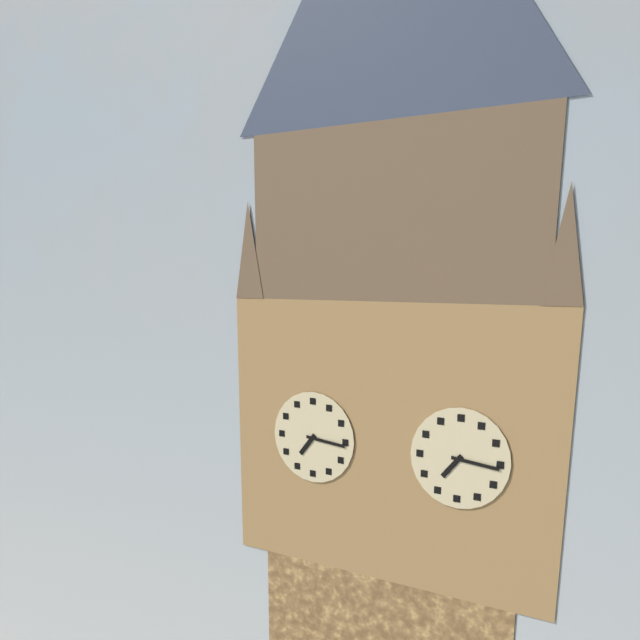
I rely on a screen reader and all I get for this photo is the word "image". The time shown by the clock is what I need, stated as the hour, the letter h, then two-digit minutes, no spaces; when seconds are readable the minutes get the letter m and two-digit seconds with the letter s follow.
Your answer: 7h16
